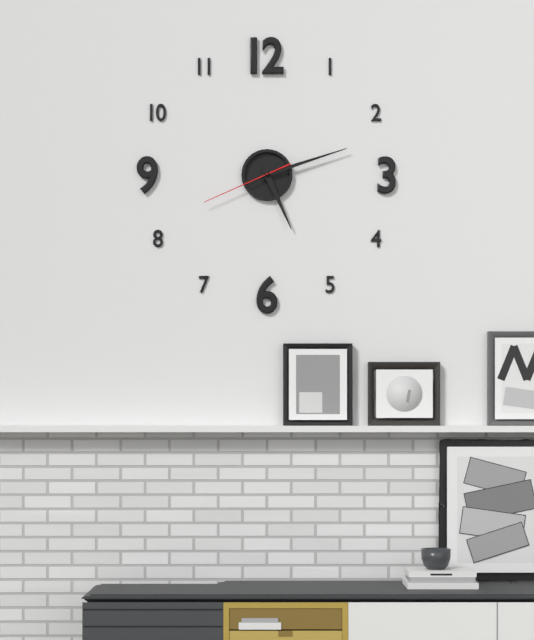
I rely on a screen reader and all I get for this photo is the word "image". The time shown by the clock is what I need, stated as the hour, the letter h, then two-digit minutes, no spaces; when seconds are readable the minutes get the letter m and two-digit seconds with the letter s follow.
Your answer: 5h12m41s
